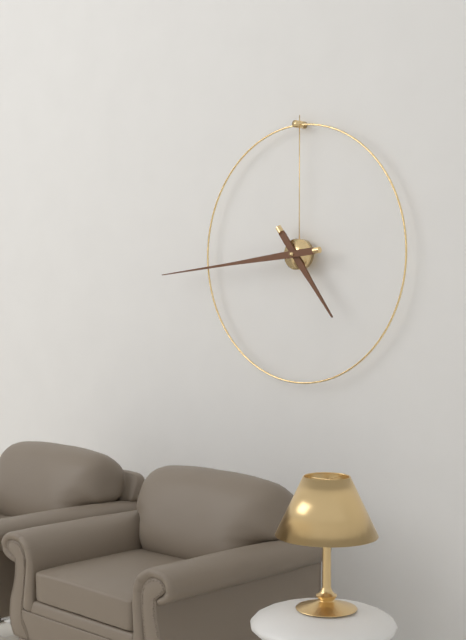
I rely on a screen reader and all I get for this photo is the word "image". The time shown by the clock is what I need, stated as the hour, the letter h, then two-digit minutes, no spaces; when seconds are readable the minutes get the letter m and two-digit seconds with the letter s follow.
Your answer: 4h44
